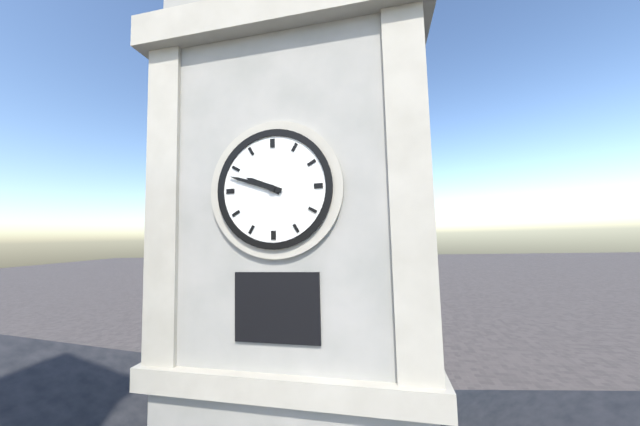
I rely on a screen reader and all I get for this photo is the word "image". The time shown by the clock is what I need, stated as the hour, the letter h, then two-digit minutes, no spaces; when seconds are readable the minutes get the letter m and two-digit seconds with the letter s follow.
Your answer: 9h48
